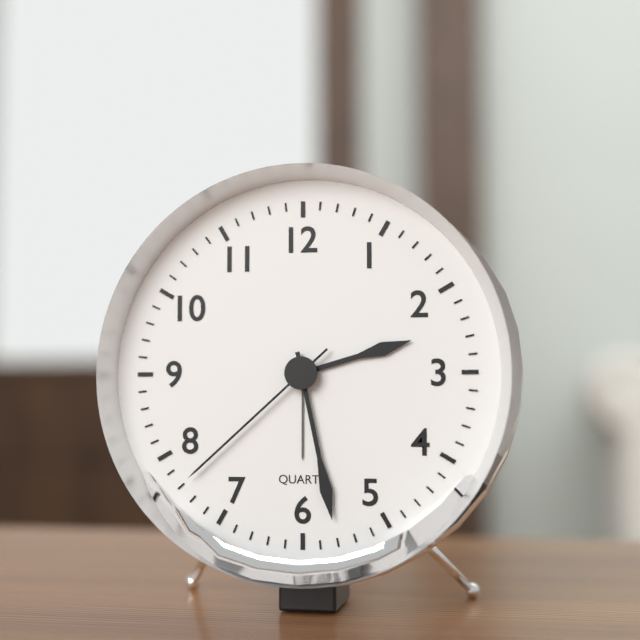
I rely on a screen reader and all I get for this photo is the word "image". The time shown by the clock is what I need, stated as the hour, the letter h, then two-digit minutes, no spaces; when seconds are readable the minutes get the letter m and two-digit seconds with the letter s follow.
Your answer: 2h28m38s
